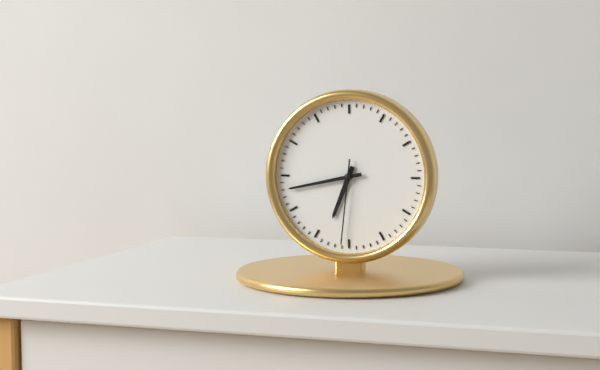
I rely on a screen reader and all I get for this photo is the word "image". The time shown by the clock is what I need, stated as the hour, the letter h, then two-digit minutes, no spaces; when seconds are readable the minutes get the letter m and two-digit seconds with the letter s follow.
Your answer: 6h43m31s
